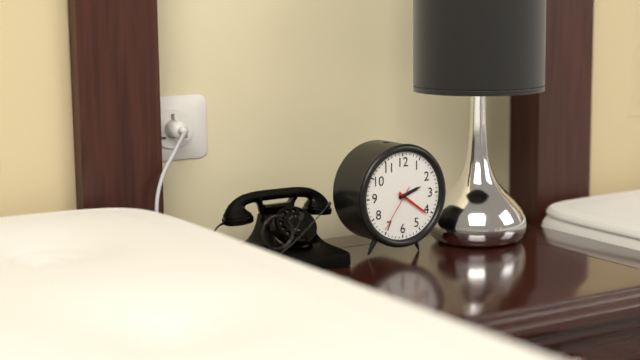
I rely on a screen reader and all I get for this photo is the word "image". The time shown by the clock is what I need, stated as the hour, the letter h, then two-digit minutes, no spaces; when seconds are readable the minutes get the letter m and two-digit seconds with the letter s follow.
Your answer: 2h21
